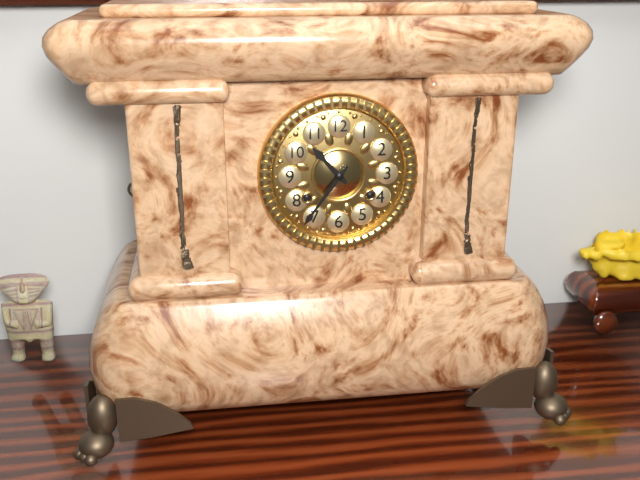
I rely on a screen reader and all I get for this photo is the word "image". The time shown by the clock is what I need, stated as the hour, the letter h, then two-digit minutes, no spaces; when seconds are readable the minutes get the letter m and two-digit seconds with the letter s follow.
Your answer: 10h36
